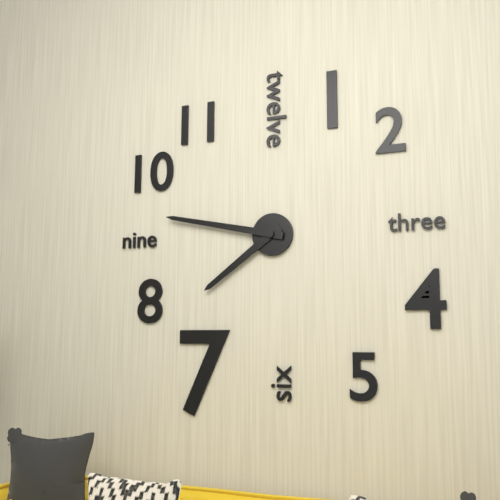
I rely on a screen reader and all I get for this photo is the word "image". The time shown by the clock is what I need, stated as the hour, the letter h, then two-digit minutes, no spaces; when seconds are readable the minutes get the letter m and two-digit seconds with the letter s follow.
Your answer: 7h47
